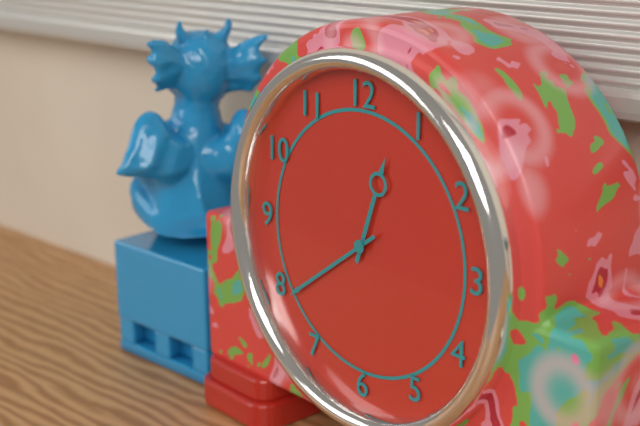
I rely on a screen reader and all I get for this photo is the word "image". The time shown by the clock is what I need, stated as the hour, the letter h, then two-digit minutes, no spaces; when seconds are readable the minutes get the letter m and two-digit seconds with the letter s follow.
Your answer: 12h39
